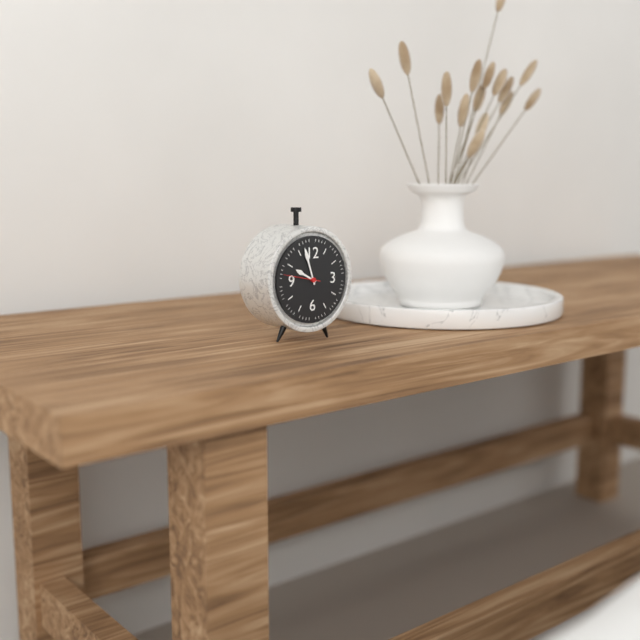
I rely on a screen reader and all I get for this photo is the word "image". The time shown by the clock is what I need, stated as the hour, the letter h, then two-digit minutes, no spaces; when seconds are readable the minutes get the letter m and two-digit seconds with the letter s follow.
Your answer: 9h57
